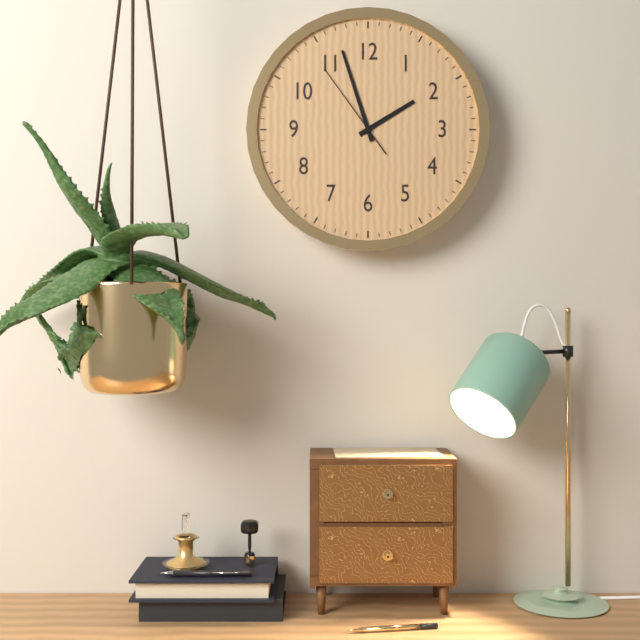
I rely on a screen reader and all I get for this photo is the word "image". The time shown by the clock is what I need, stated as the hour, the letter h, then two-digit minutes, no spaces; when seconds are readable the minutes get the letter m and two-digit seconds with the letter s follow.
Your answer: 1h57m54s
